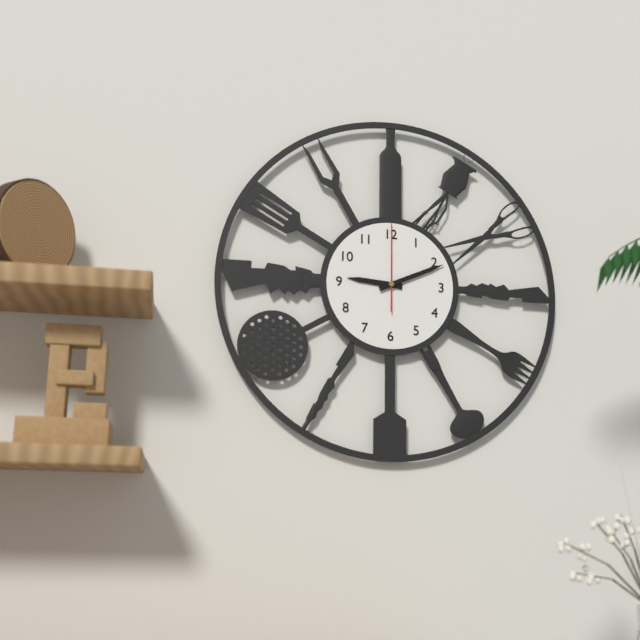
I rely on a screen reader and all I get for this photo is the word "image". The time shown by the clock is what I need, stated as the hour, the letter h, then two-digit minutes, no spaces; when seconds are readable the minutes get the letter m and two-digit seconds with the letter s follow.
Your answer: 9h11m00s
